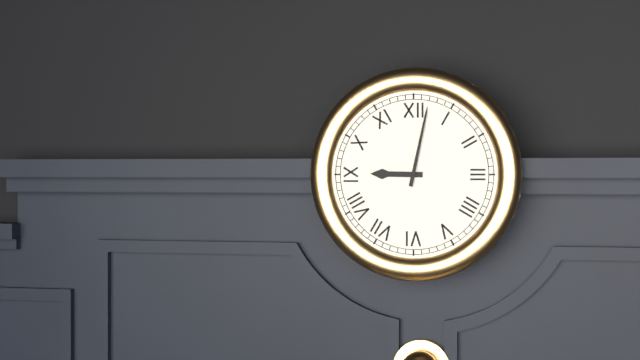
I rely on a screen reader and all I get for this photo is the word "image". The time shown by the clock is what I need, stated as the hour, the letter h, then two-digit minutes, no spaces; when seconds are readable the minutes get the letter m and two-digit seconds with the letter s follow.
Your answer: 9h02
